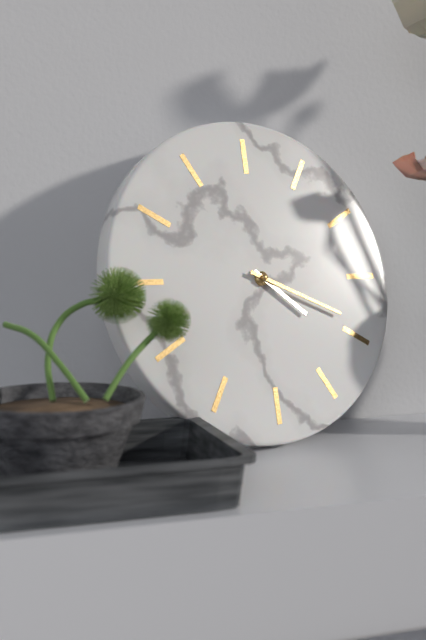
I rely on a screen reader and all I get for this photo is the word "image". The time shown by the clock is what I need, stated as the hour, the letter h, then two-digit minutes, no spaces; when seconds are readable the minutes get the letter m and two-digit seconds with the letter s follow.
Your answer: 4h19
